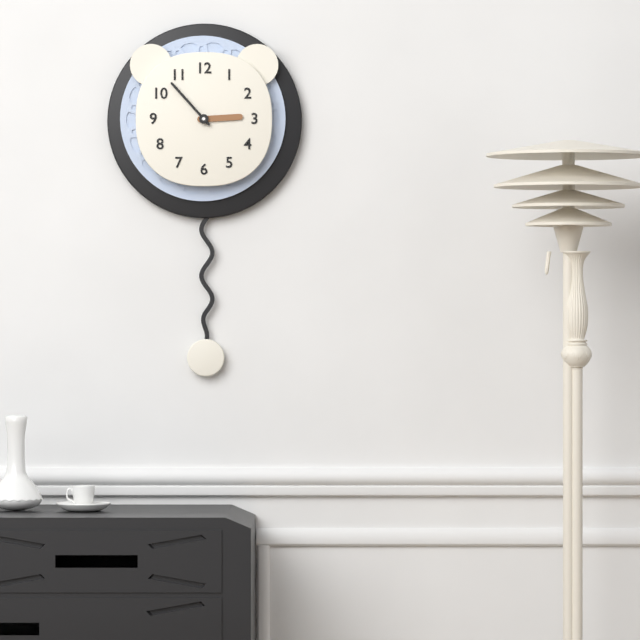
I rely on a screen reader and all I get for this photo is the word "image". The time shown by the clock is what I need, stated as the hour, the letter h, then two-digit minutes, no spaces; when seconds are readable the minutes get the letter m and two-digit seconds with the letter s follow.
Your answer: 2h53
